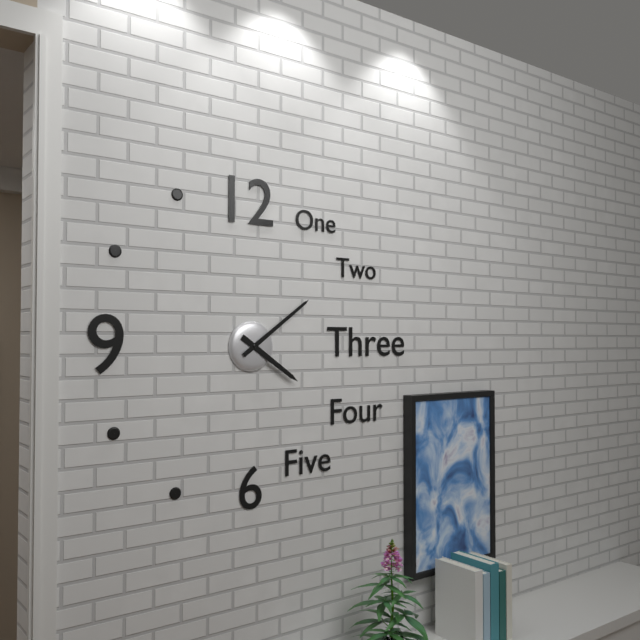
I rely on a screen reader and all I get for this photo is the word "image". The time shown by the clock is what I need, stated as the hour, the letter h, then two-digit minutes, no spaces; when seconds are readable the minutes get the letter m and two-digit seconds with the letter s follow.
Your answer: 4h09
